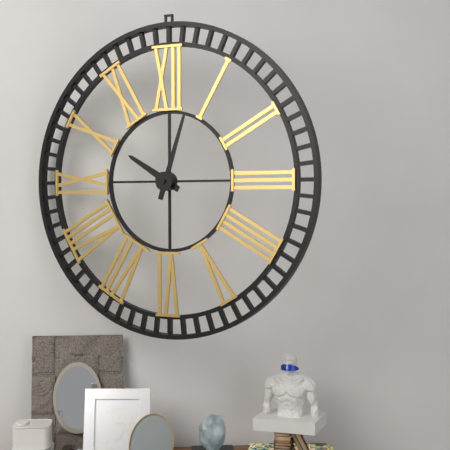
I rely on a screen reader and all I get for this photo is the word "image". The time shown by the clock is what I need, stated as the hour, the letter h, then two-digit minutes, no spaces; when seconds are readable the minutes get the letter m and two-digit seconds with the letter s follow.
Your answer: 10h03
